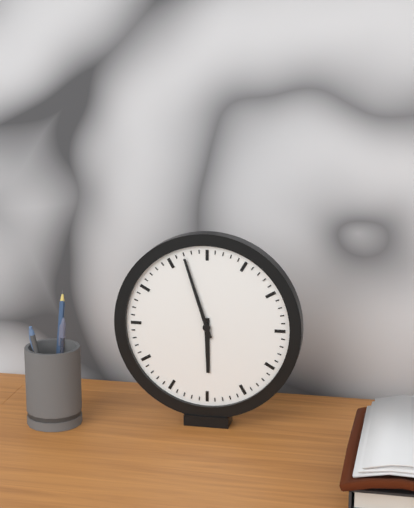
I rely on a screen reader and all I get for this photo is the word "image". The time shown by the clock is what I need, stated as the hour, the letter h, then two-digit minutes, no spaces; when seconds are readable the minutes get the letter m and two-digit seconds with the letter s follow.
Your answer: 5h57
